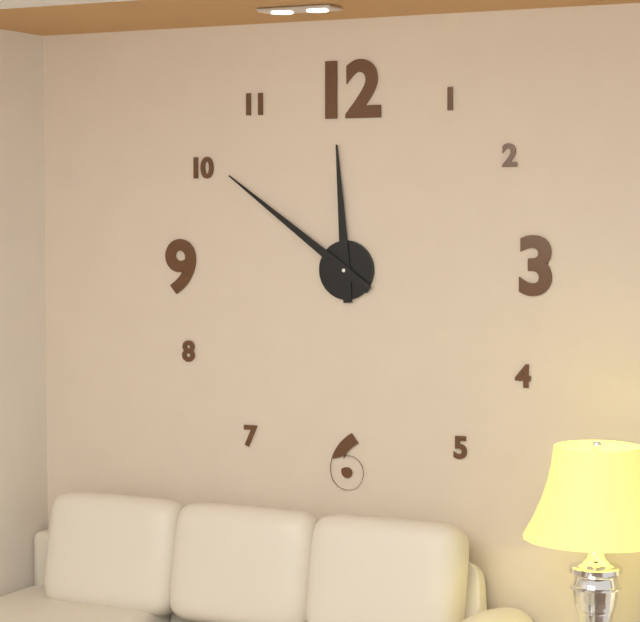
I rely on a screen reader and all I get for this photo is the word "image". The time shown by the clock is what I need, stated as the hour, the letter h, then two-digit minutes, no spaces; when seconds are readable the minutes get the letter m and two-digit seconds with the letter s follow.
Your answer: 11h51
